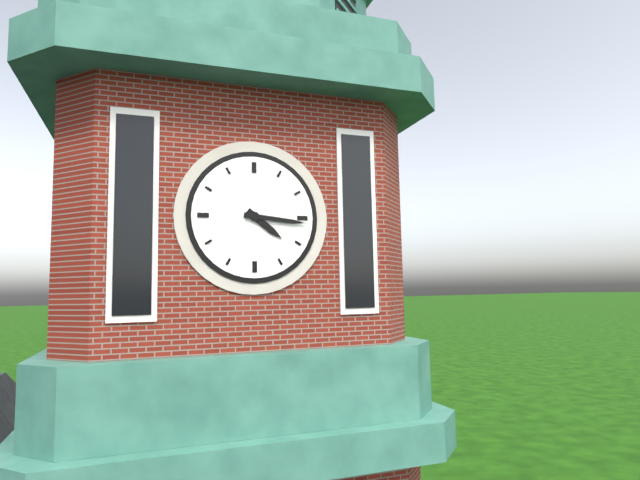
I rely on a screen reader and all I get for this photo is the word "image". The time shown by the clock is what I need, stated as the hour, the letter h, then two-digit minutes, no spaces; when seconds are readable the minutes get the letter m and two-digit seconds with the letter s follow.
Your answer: 4h16
